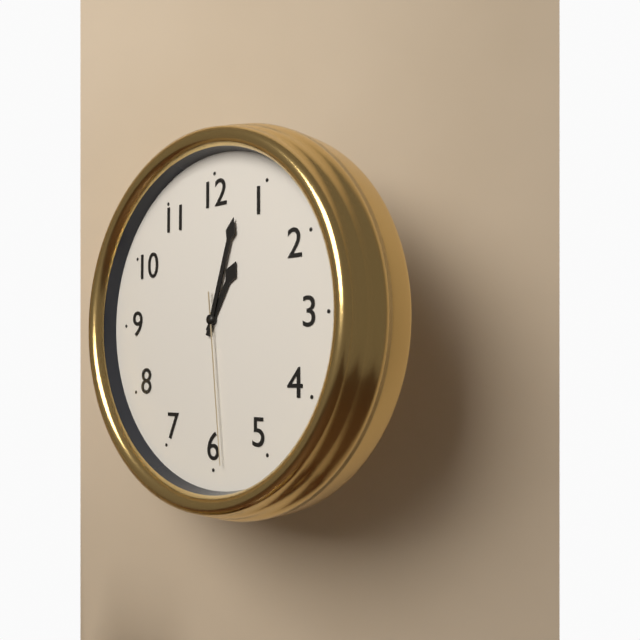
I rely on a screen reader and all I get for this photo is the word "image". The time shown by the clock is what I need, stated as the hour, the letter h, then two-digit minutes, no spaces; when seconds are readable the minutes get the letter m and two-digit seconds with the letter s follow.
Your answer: 1h03m29s
